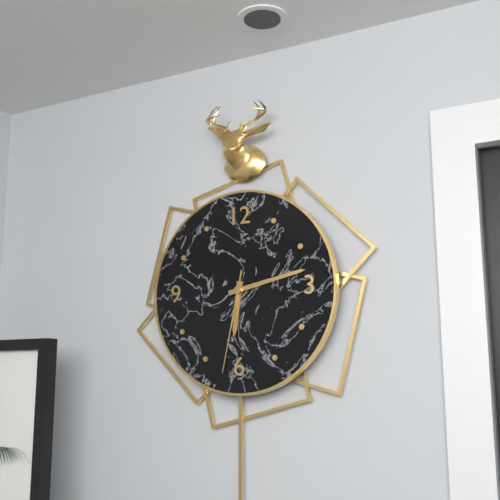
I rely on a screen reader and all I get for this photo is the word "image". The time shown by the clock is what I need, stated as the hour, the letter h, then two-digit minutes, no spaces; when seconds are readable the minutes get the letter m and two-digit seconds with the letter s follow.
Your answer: 6h13m32s
